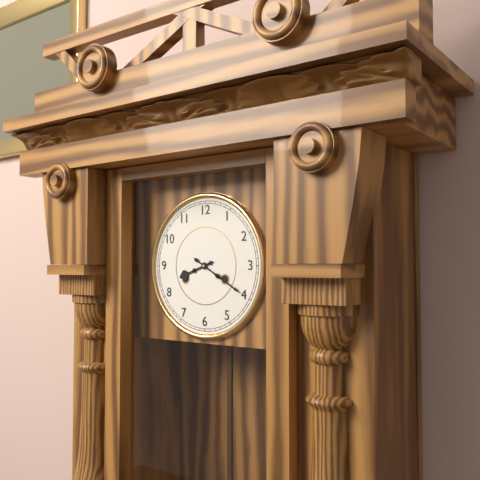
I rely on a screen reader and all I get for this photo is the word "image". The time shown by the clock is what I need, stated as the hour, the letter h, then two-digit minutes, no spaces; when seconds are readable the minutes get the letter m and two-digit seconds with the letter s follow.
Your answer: 8h20
